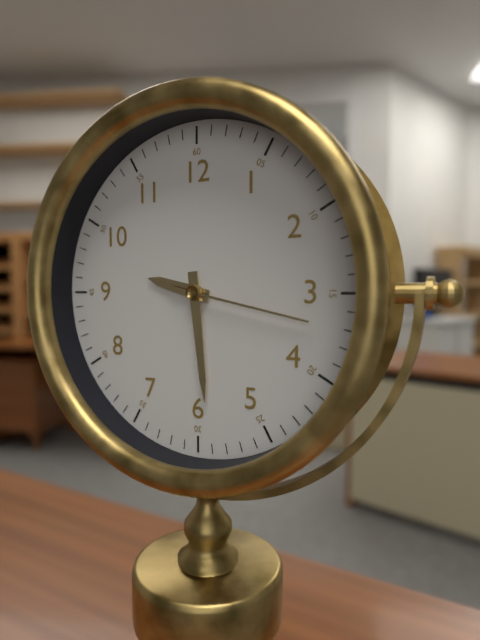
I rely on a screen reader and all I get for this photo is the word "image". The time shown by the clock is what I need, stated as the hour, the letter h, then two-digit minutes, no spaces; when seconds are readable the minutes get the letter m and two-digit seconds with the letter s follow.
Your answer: 9h29m17s
